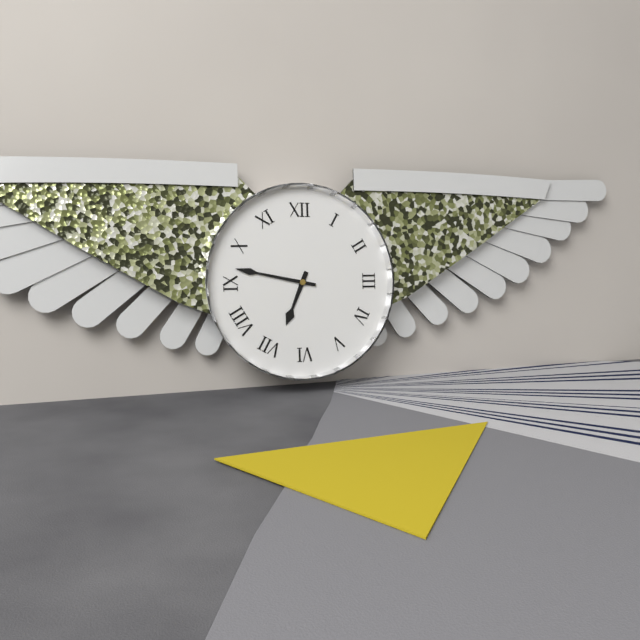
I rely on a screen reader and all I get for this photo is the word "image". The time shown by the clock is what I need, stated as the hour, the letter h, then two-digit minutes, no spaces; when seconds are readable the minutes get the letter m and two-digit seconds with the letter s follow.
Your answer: 6h47
